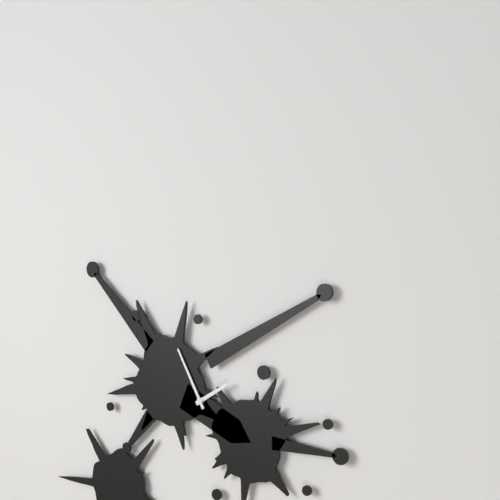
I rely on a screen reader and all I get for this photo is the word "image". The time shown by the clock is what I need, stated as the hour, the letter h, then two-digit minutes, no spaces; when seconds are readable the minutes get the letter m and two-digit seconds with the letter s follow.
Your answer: 1h55
